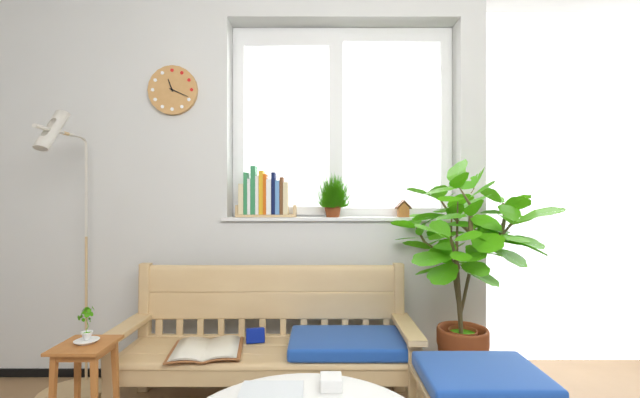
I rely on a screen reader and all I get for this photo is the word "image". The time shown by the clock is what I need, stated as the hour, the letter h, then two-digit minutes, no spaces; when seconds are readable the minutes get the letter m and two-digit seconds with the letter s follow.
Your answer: 11h19
